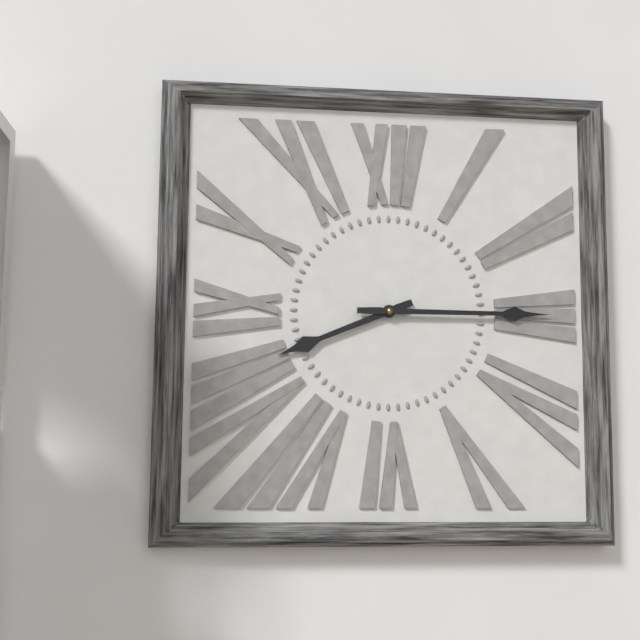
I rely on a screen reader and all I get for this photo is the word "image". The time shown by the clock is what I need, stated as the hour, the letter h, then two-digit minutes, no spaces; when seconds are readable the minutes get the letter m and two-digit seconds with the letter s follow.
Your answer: 8h15
